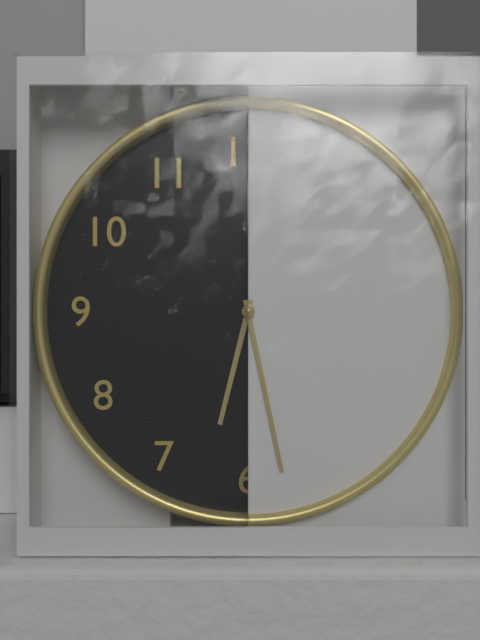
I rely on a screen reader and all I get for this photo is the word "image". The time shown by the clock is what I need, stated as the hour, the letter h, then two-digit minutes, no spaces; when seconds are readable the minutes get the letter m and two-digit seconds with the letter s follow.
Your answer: 6h28
